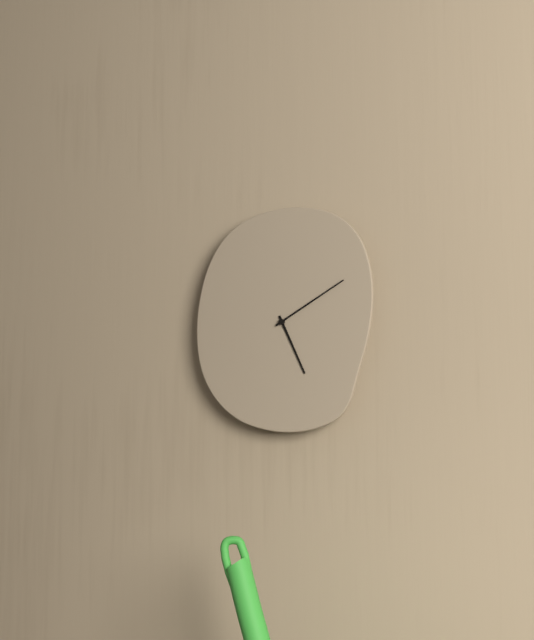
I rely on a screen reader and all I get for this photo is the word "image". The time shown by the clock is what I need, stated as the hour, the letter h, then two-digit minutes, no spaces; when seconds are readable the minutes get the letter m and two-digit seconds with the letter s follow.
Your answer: 5h10
